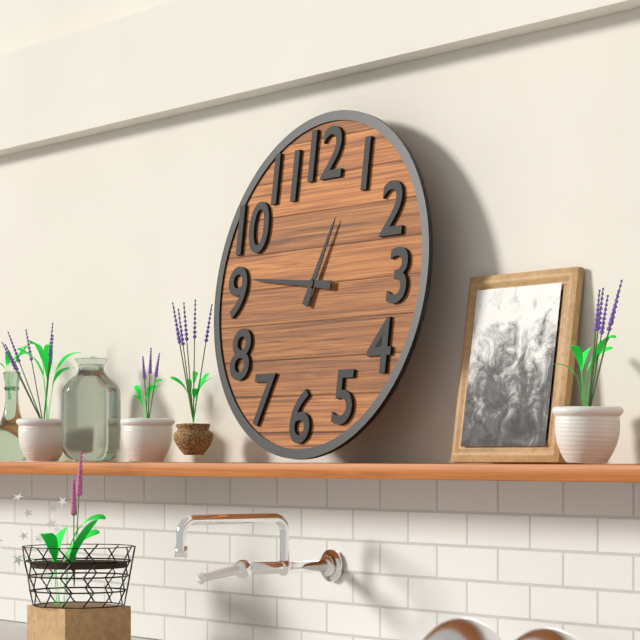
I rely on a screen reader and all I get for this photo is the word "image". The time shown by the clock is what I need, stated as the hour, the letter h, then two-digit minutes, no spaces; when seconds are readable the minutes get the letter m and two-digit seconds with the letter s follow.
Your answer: 12h46
